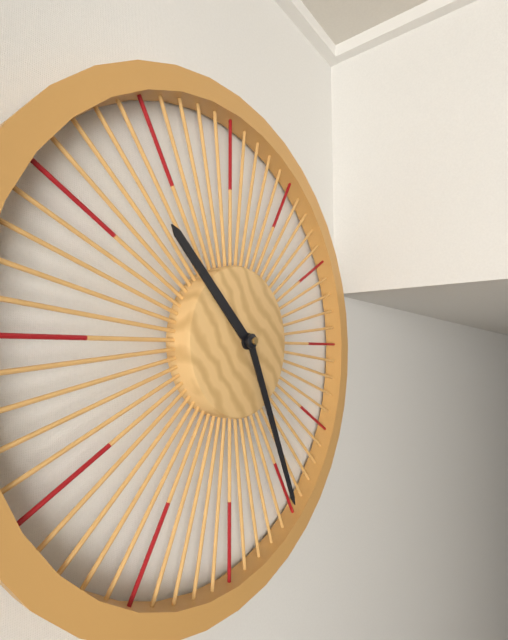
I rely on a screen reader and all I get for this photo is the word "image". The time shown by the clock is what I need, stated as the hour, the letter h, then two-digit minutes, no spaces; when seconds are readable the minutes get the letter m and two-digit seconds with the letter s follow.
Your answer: 10h26
